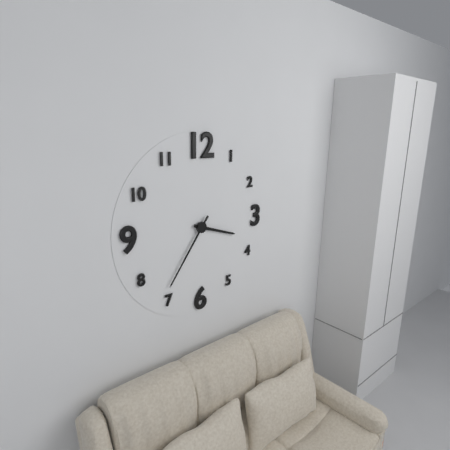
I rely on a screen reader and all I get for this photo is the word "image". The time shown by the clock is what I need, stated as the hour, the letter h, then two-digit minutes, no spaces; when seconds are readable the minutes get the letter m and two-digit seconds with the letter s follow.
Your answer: 3h36
